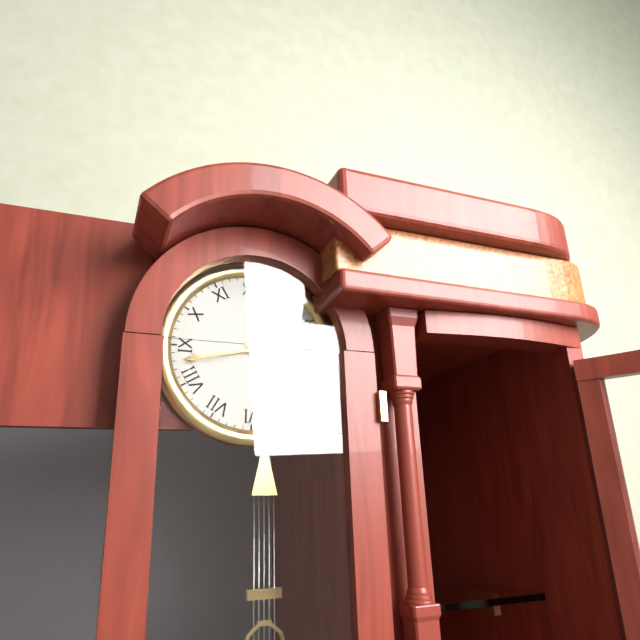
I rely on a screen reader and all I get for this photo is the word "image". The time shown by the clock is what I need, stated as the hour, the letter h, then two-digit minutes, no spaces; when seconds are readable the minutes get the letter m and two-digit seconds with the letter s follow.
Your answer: 4h43
